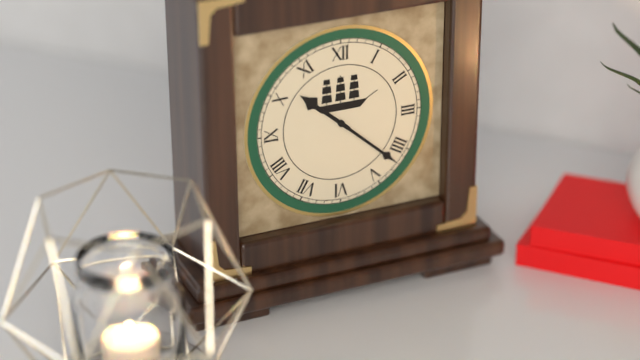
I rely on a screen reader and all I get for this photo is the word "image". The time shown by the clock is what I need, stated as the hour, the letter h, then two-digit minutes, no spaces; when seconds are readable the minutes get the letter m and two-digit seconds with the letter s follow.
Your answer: 10h22
